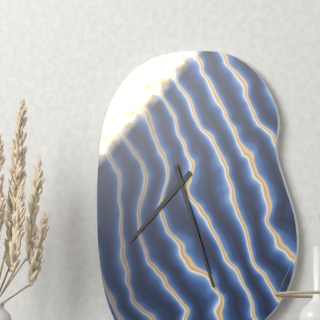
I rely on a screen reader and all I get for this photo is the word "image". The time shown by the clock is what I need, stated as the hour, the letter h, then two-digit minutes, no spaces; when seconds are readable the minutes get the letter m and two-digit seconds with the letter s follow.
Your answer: 7h27
